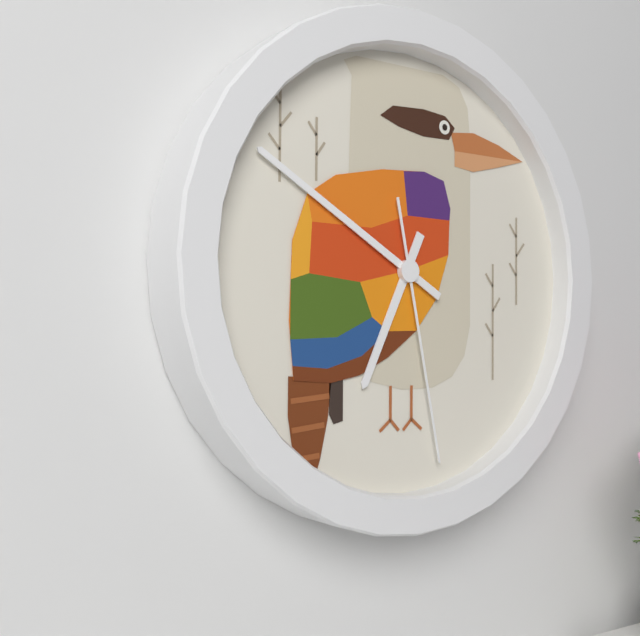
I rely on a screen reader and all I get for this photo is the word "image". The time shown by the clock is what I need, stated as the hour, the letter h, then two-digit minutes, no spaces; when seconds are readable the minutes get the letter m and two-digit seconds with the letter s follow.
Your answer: 6h50m28s
